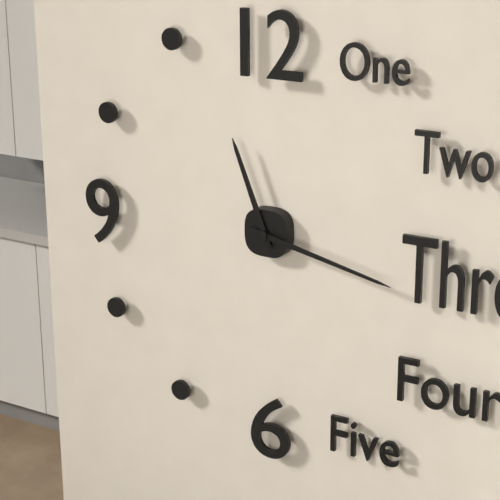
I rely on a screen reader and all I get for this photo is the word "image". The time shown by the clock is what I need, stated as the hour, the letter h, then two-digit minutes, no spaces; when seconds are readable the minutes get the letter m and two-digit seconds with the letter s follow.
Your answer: 11h17
